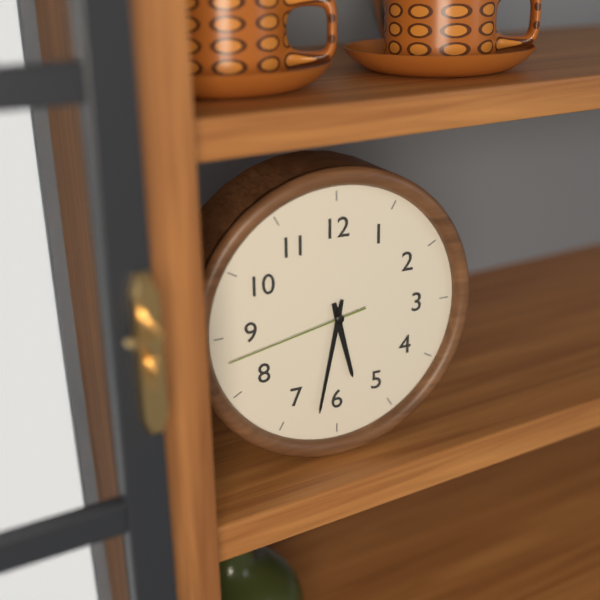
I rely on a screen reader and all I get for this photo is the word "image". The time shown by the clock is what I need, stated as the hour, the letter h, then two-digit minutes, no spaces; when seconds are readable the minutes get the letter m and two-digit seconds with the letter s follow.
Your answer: 5h32m43s
